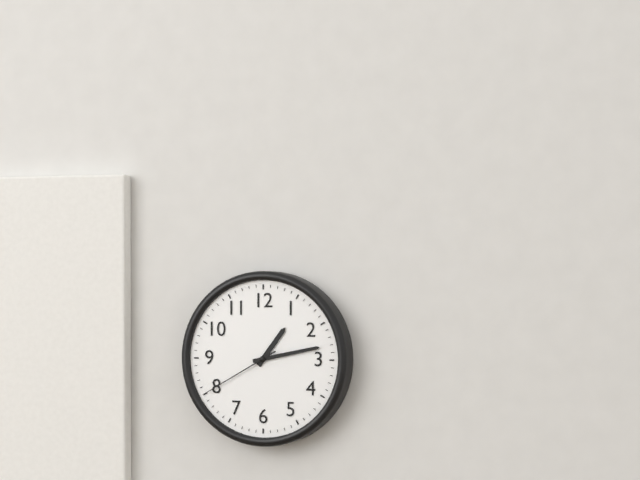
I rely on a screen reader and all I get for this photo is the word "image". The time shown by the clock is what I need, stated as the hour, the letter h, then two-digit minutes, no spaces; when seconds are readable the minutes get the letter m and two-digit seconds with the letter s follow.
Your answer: 1h13m40s
